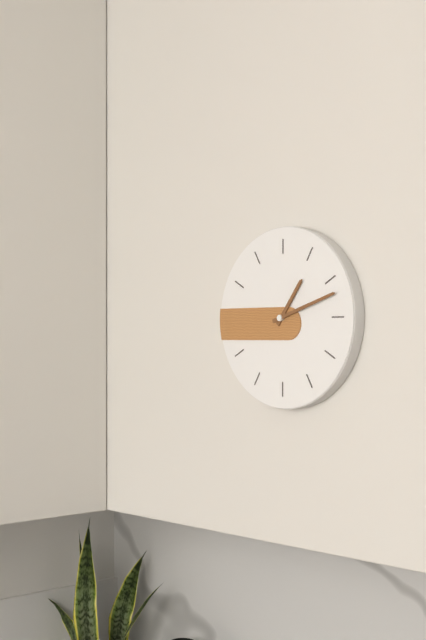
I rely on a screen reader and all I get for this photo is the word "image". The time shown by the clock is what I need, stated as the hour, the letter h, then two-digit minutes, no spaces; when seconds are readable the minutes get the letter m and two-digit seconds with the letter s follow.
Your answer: 1h12
